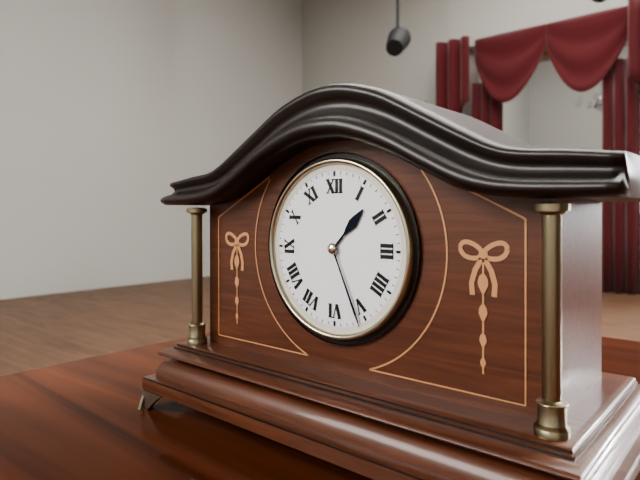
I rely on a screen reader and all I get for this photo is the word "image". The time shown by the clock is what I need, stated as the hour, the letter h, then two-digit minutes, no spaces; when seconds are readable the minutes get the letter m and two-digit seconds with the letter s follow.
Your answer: 1h26
